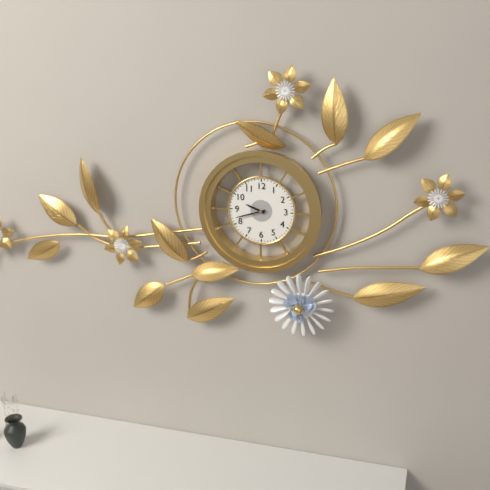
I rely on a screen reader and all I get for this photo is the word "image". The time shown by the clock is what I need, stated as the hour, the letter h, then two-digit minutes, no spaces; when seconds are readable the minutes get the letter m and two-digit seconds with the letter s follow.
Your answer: 9h42
